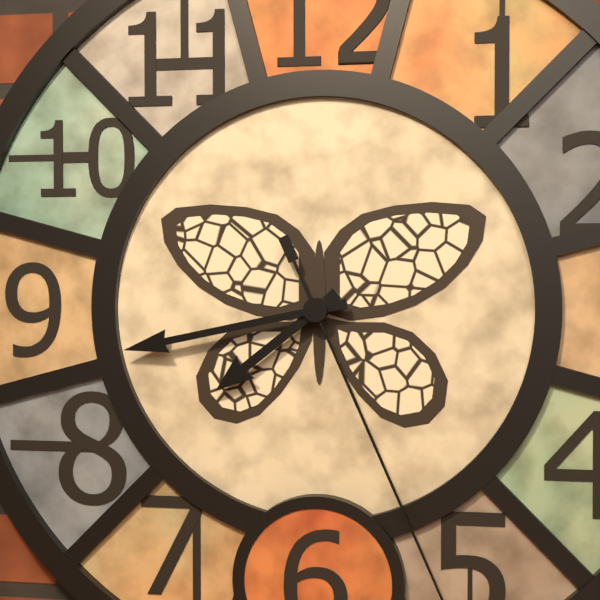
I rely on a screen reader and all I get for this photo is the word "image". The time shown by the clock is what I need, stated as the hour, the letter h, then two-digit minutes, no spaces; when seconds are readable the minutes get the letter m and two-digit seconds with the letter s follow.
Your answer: 7h43
